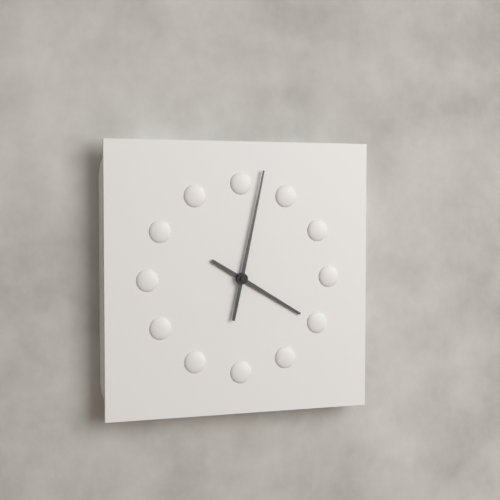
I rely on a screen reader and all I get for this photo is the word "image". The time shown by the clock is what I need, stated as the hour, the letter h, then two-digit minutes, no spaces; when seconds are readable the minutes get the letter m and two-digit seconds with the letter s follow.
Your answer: 4h02
